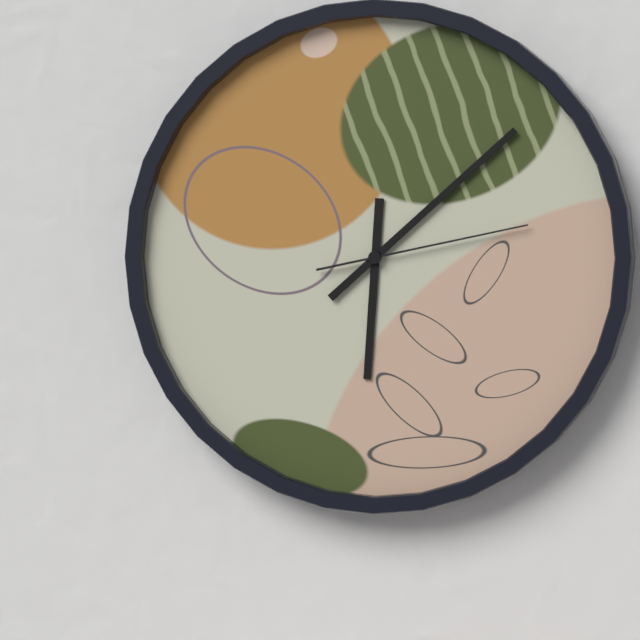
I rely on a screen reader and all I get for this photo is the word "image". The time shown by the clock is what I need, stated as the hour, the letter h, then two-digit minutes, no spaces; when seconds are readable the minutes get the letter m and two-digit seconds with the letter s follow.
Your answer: 6h08m13s
